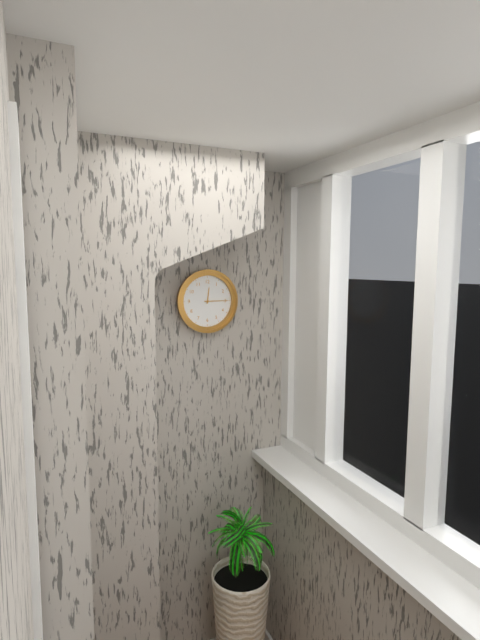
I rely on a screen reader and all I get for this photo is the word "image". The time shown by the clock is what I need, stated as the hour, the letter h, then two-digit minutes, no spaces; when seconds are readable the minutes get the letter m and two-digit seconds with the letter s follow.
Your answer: 12h15
